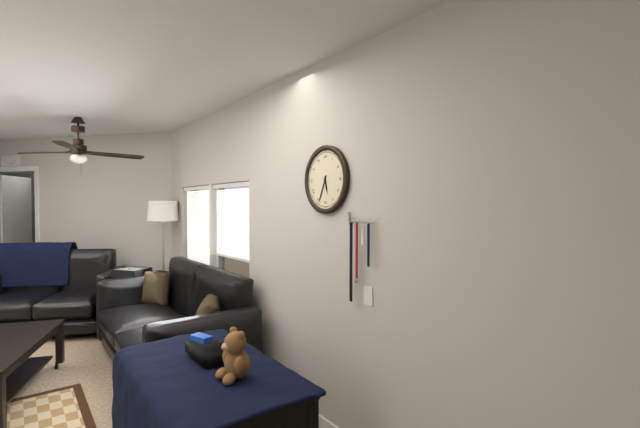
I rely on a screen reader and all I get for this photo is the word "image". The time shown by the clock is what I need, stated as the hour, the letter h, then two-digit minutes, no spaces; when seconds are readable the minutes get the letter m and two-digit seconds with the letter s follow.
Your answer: 5h34
